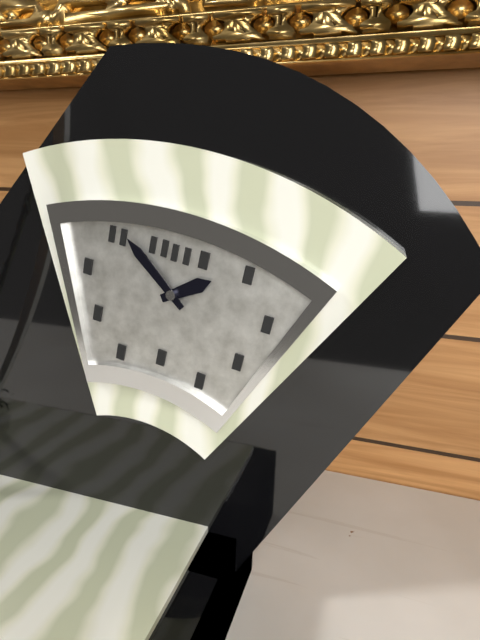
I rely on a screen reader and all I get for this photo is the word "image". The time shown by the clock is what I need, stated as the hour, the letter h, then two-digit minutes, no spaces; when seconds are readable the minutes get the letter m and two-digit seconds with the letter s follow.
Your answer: 1h51
